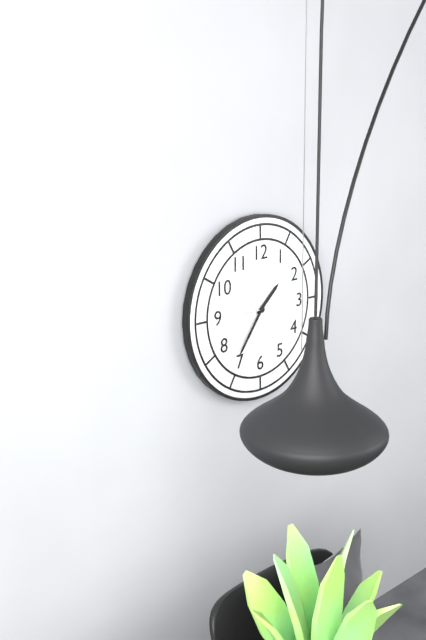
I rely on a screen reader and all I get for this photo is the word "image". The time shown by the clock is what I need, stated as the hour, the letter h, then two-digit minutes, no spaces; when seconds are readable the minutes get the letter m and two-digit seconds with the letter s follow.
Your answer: 1h36
